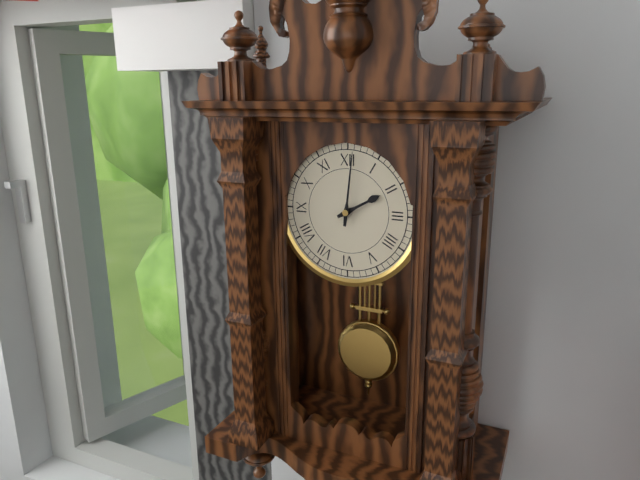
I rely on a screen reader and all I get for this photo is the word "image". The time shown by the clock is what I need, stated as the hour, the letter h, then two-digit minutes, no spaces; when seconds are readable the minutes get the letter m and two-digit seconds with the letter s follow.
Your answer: 2h01
